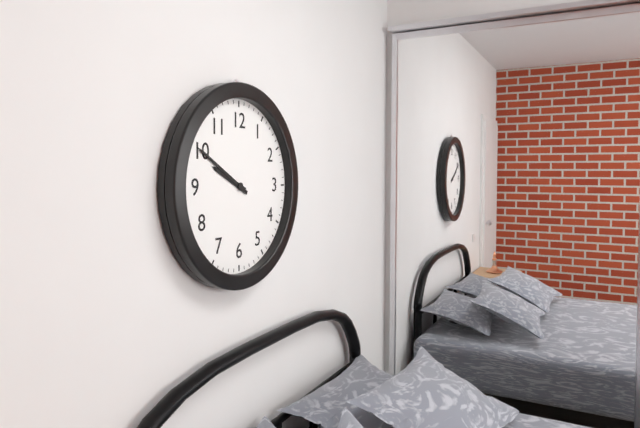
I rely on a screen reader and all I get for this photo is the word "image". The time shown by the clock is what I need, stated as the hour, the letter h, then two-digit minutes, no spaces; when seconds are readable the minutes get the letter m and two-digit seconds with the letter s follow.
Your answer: 9h50
